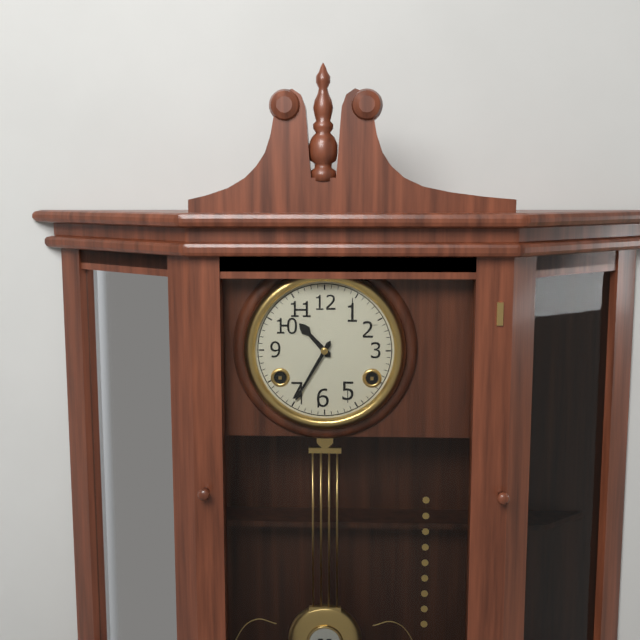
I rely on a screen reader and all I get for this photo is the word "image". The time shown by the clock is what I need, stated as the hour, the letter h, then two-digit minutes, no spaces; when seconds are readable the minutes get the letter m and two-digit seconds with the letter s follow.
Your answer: 10h35
